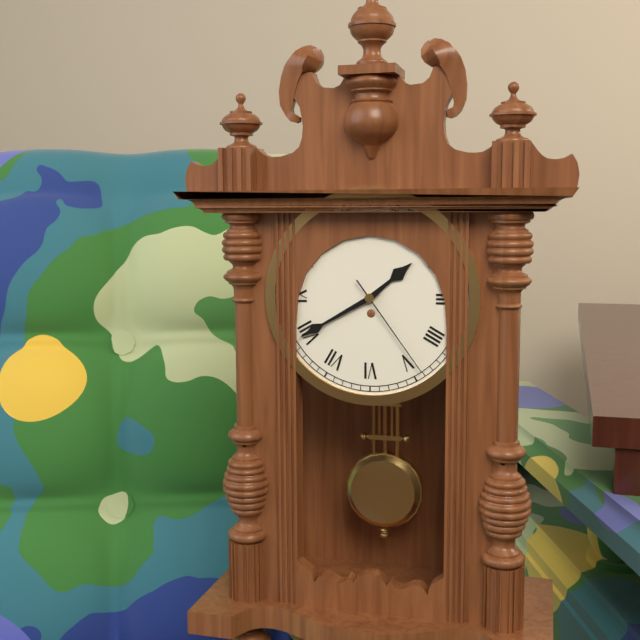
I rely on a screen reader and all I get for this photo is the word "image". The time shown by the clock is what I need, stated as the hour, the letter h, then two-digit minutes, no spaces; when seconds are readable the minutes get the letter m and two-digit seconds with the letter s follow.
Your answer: 1h40m24s
